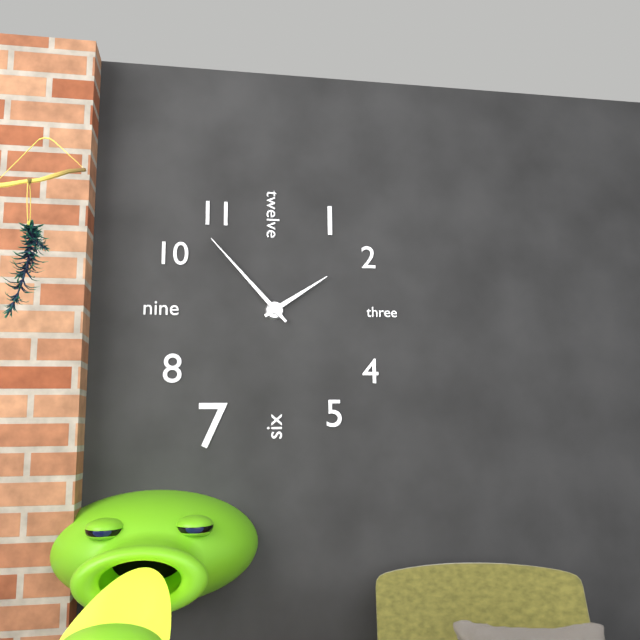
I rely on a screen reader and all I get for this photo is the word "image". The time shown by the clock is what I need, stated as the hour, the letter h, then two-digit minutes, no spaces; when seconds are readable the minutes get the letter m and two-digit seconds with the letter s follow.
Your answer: 1h53
